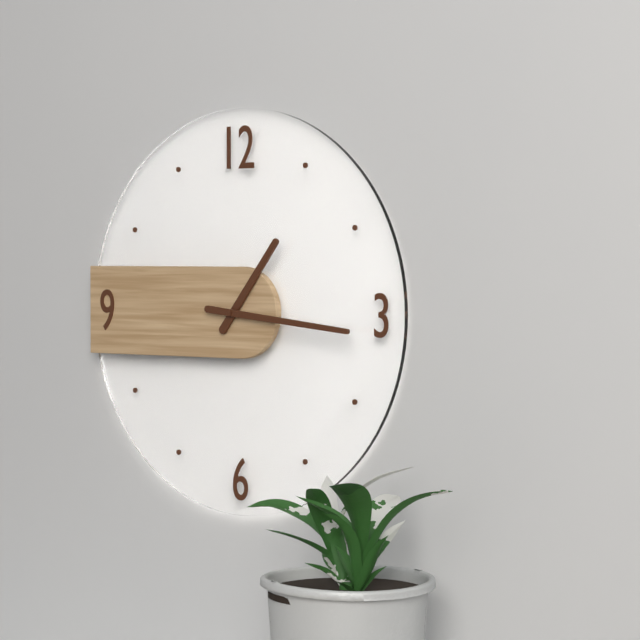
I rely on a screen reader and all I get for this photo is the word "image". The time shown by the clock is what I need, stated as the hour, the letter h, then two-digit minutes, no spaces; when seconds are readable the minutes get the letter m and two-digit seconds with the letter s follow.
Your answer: 1h16
